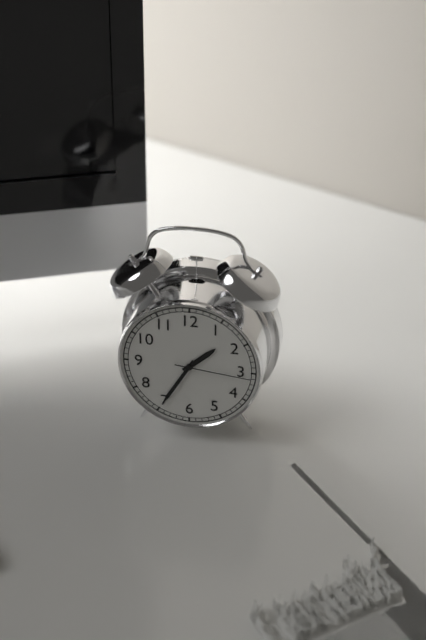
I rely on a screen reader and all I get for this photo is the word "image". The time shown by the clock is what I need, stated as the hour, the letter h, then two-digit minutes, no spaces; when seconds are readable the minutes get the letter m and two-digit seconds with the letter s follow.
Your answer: 1h35m16s
